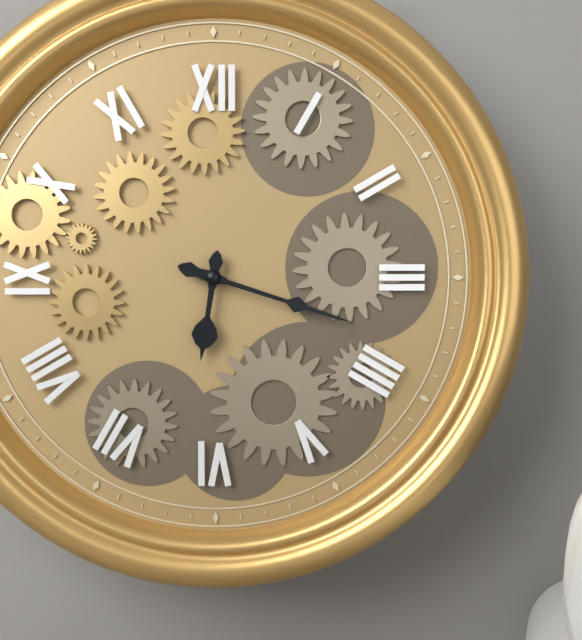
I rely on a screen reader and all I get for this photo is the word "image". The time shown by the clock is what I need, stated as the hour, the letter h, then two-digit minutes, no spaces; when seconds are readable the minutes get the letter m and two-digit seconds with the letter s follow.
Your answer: 6h18
